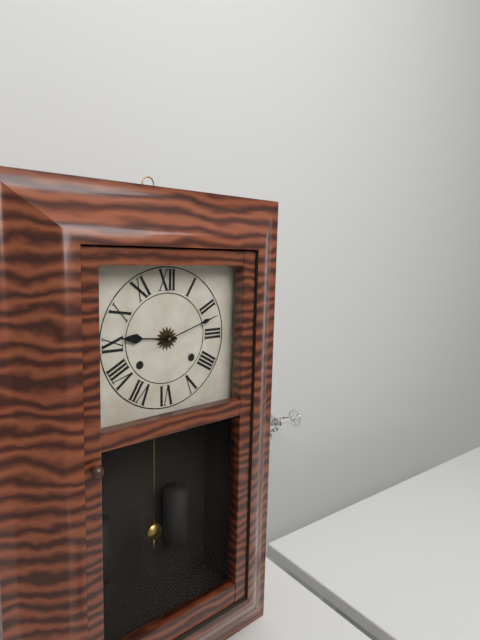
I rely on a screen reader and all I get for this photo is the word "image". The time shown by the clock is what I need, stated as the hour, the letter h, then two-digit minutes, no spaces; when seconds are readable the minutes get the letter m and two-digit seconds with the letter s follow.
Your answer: 9h12
